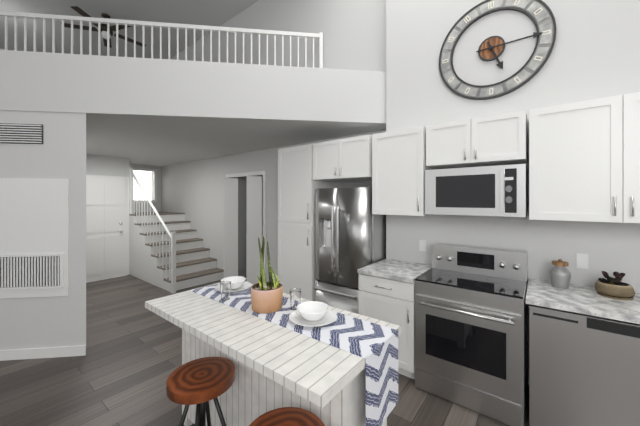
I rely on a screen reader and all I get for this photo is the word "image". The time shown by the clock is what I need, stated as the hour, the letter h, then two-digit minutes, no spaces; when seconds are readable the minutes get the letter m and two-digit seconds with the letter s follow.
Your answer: 5h15
